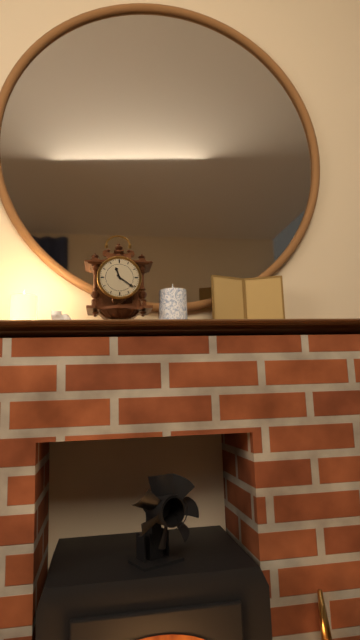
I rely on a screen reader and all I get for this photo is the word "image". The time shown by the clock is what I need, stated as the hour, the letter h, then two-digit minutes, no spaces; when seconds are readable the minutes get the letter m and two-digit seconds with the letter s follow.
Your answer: 11h21
